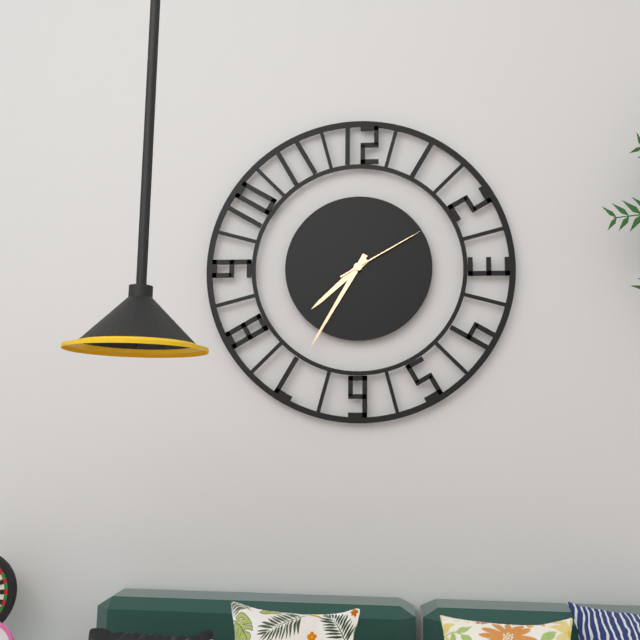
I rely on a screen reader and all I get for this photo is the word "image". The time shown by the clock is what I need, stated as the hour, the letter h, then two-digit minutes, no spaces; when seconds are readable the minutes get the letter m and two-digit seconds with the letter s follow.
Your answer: 7h35m10s
